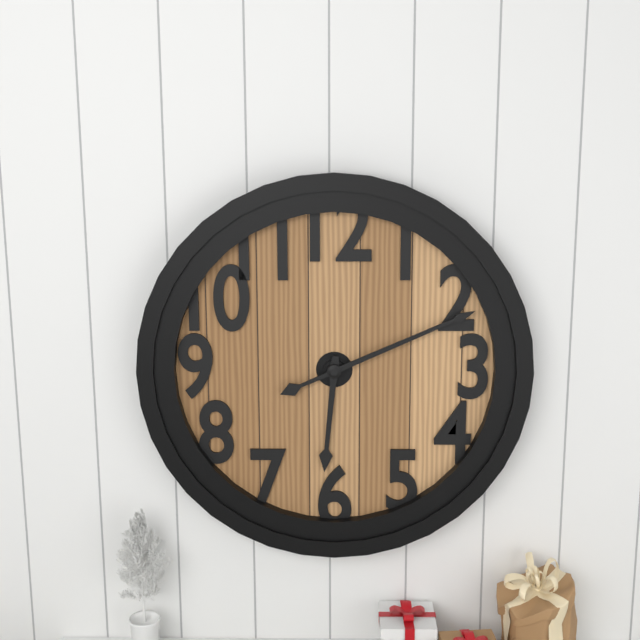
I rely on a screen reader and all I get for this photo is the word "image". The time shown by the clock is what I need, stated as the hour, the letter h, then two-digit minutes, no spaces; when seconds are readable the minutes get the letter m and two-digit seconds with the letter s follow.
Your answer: 6h11
